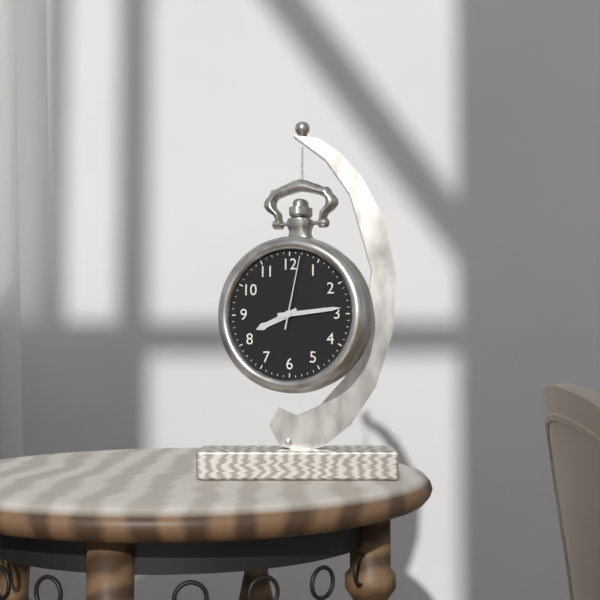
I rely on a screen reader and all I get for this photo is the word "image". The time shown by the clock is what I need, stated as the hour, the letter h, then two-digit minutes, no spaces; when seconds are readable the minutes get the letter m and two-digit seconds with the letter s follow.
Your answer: 8h14m02s
